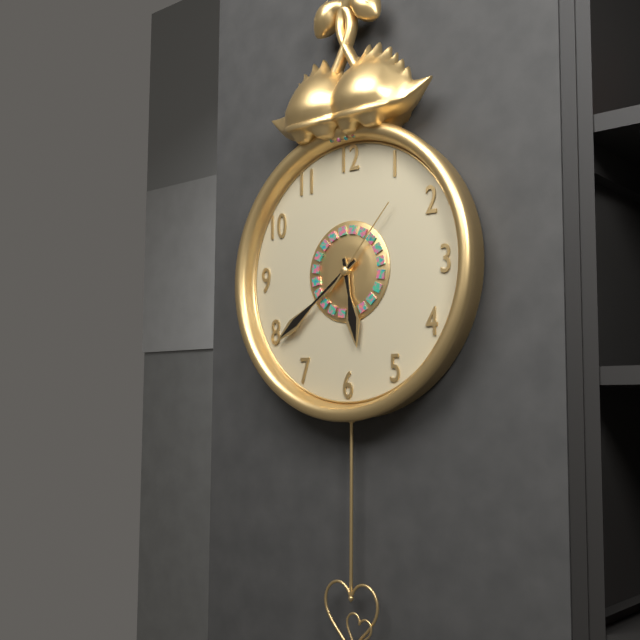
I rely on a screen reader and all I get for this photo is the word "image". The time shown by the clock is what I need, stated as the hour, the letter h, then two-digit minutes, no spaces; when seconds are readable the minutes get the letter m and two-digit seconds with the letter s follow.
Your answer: 5h39m07s
